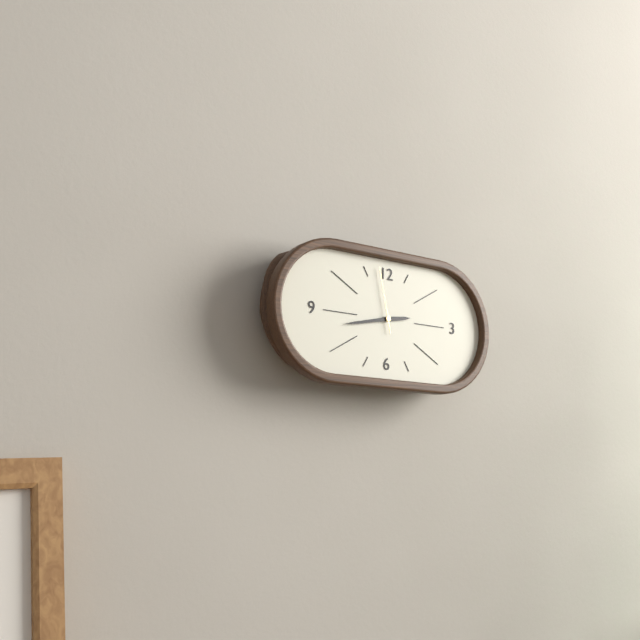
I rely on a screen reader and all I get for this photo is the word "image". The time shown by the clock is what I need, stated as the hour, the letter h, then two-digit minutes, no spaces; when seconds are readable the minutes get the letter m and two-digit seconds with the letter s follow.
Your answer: 2h43m58s
